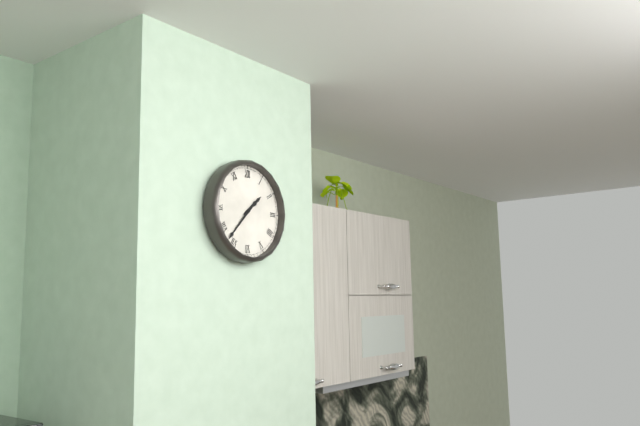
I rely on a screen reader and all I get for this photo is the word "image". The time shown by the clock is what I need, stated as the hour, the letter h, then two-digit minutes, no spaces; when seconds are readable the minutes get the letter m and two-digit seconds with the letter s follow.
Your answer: 1h37
